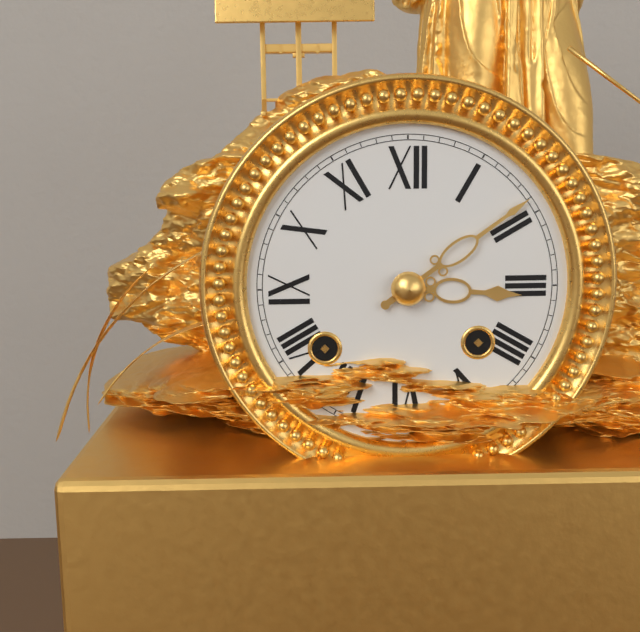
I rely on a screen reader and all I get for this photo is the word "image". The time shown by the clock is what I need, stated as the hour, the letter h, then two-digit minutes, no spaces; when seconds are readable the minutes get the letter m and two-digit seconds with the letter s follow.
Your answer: 3h09
